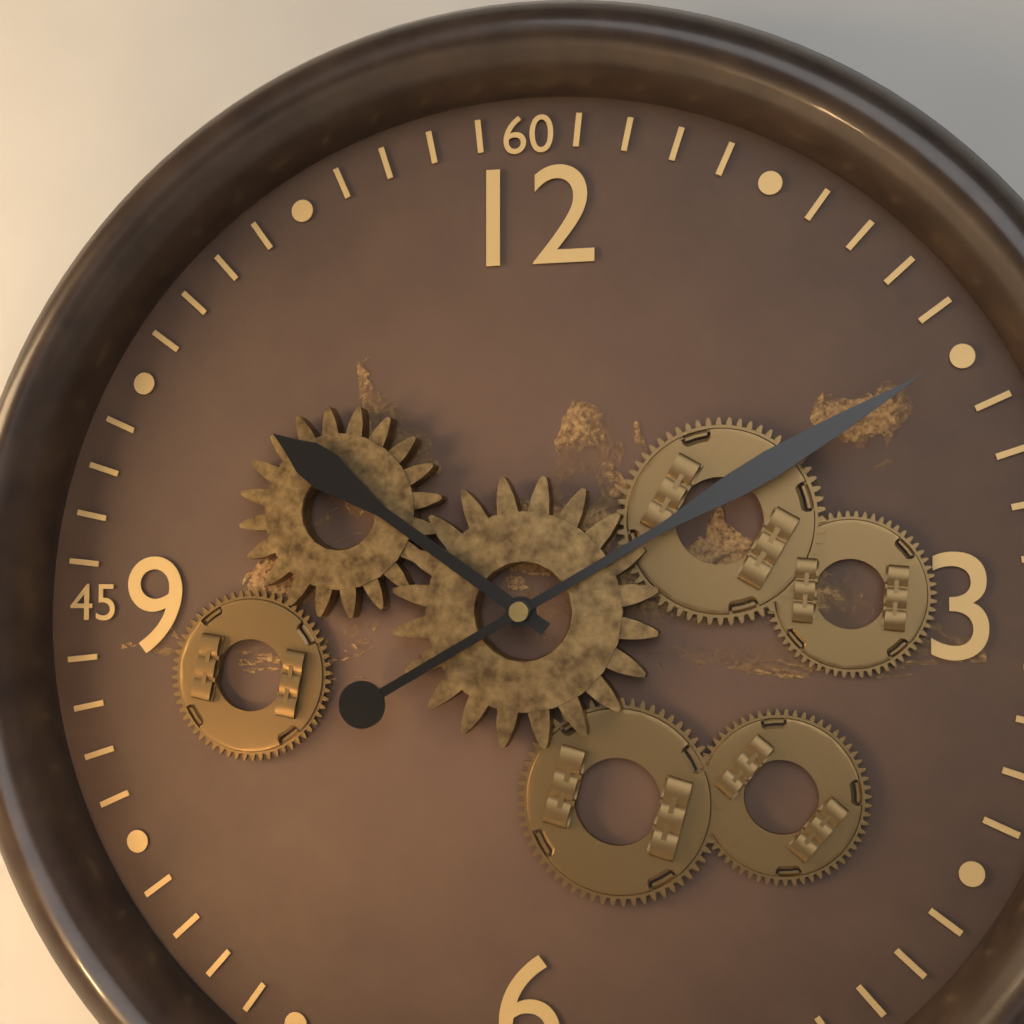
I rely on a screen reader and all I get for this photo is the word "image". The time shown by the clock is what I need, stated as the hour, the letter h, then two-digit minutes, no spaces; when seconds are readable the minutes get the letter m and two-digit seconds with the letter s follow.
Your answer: 10h10
